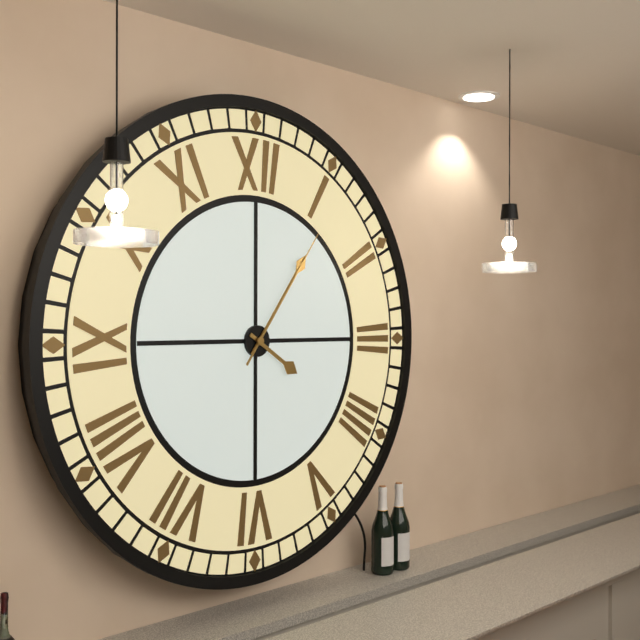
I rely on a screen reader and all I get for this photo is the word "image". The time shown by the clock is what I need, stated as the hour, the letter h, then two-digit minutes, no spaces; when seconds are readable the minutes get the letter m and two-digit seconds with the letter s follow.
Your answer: 4h06m06s
